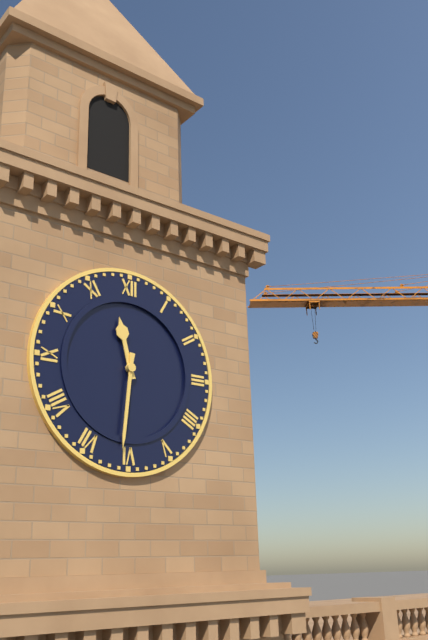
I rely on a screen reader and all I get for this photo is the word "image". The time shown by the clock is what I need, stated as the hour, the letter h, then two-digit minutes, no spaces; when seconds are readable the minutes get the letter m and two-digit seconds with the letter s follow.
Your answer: 11h31
